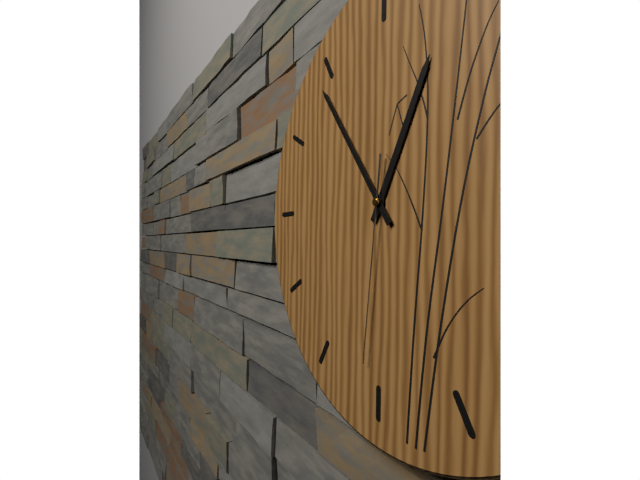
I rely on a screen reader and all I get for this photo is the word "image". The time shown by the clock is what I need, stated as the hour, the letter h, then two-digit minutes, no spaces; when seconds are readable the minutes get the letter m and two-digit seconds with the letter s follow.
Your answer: 12h54m31s
